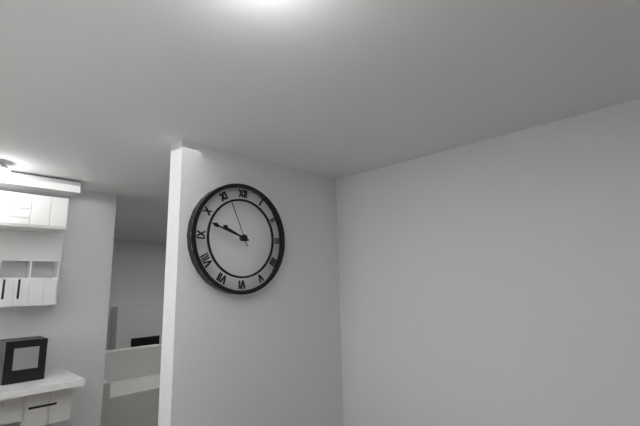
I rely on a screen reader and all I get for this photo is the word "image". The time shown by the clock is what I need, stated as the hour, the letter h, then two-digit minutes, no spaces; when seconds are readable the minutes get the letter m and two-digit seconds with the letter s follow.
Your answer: 9h48m56s
